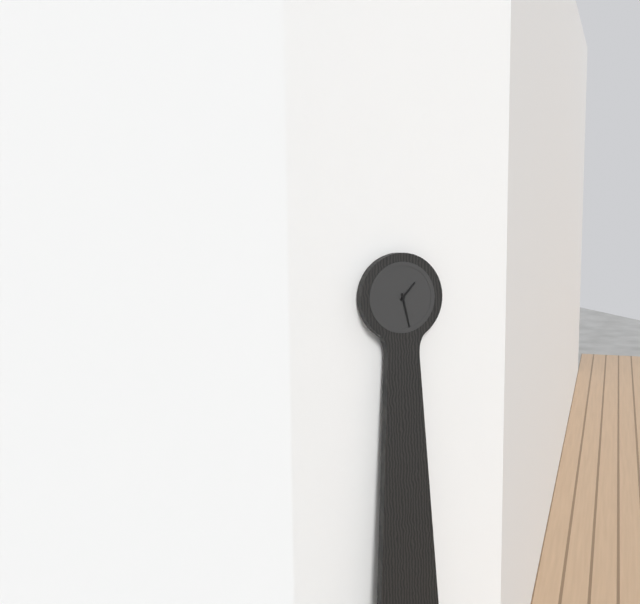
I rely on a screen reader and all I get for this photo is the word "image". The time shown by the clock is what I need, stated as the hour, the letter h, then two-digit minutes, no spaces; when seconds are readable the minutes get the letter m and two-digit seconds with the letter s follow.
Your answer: 1h28
